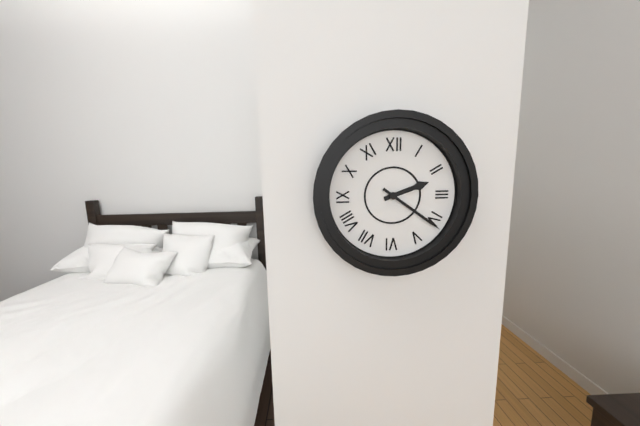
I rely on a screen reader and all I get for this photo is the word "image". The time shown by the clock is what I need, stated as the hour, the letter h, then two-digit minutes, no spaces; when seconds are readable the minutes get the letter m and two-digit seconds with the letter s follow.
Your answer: 2h21
